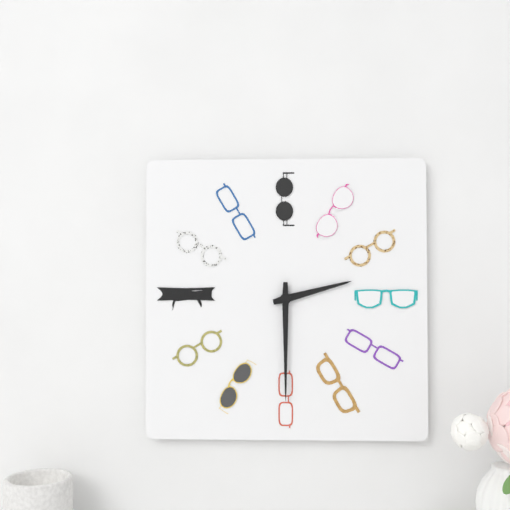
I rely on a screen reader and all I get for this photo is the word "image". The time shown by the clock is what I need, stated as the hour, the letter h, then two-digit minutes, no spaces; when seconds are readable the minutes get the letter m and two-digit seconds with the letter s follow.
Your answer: 2h30
